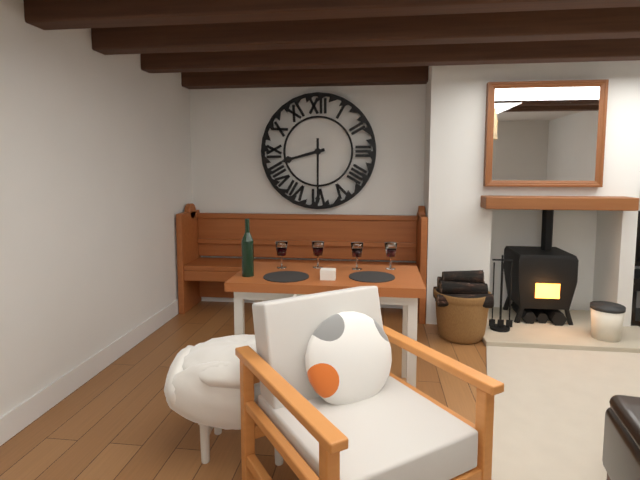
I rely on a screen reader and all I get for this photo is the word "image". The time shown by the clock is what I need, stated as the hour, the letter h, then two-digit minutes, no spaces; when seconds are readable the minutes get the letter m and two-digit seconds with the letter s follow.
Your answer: 8h30
